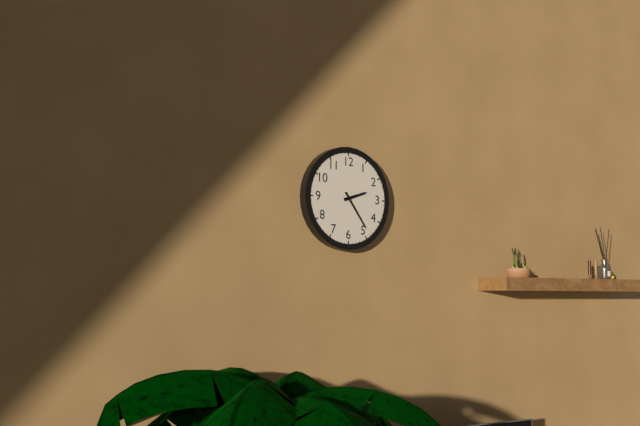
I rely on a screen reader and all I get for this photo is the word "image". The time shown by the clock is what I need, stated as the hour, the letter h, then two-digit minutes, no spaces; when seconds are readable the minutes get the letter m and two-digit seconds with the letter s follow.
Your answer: 2h24
